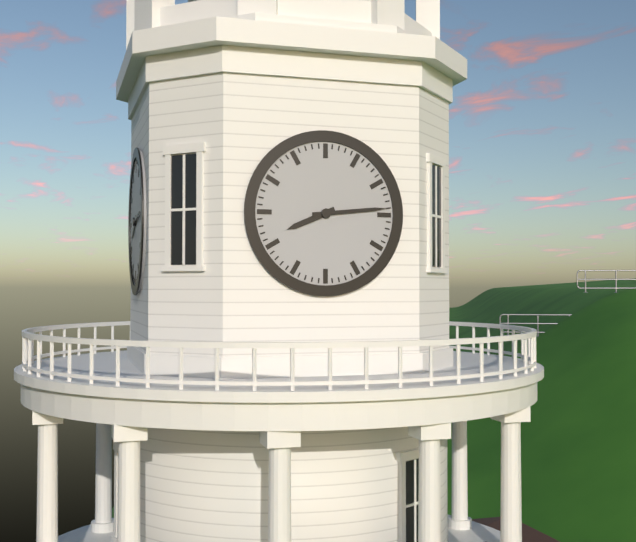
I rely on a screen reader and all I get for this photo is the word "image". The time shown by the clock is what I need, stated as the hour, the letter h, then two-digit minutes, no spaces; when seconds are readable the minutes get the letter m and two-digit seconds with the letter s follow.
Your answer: 8h14
